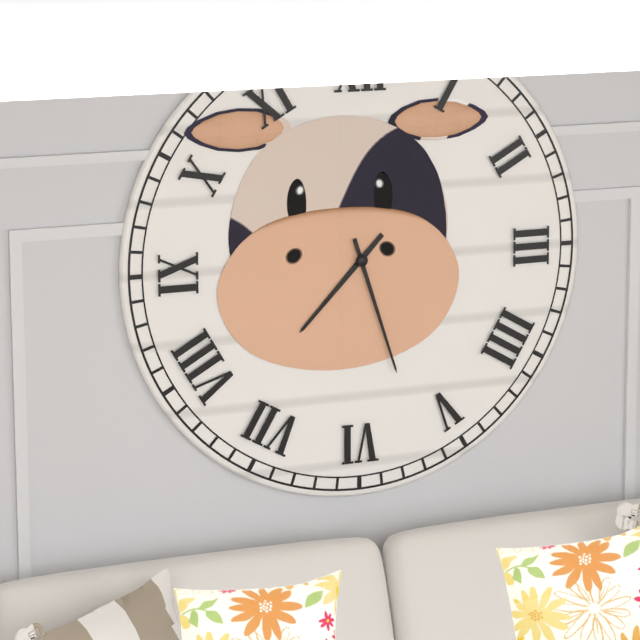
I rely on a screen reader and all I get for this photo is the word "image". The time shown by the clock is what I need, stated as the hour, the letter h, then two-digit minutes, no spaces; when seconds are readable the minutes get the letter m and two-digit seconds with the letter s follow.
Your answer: 7h27
